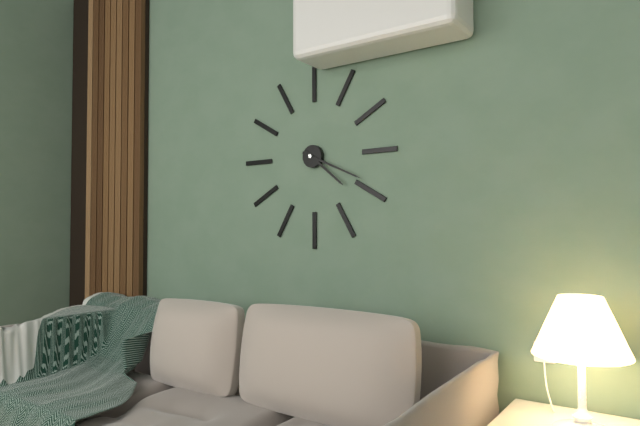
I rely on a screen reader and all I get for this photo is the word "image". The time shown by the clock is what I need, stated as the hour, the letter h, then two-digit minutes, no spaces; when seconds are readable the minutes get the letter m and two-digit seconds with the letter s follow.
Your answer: 4h19
